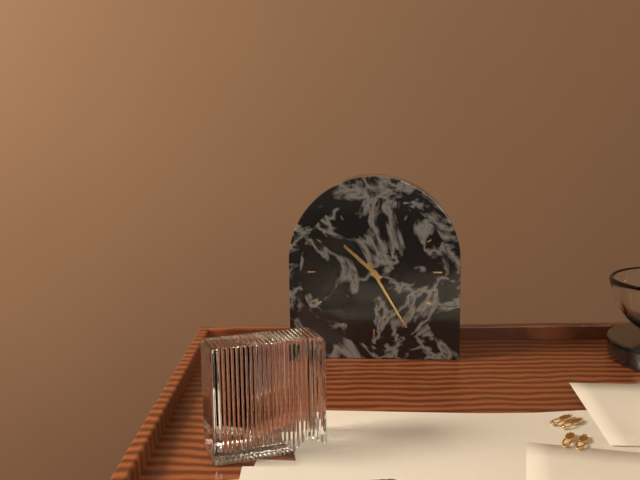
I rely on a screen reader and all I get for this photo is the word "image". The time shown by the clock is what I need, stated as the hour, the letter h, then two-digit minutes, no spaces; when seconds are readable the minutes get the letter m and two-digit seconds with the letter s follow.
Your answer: 10h25
